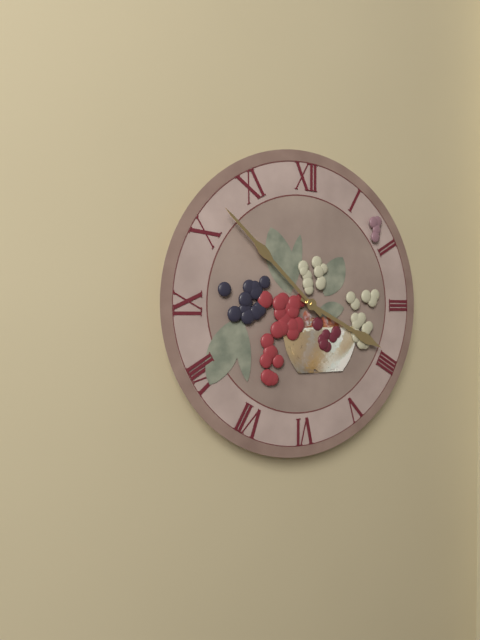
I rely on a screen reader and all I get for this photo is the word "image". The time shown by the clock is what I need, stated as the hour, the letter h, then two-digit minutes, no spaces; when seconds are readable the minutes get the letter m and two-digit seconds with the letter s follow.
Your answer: 3h52
